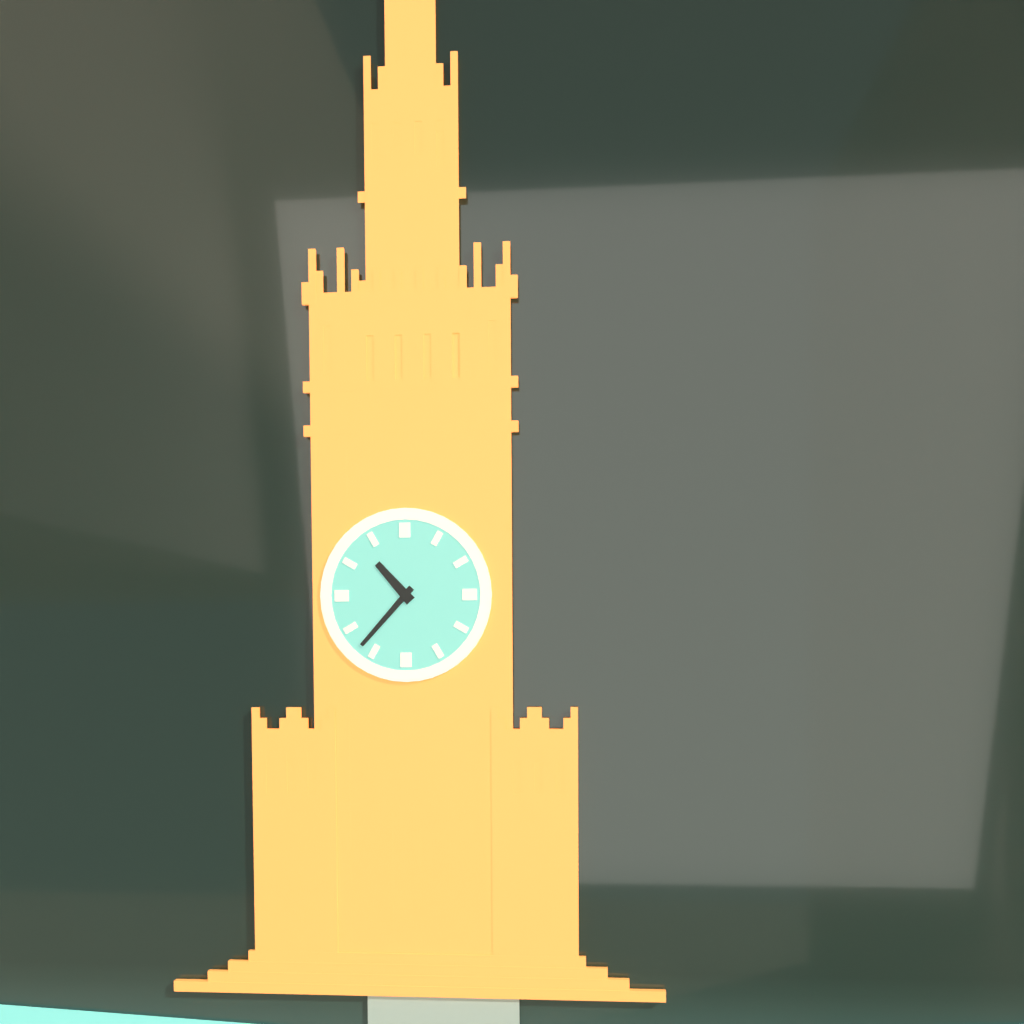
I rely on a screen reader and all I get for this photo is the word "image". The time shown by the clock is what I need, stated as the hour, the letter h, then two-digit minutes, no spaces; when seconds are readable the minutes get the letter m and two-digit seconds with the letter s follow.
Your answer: 10h37
